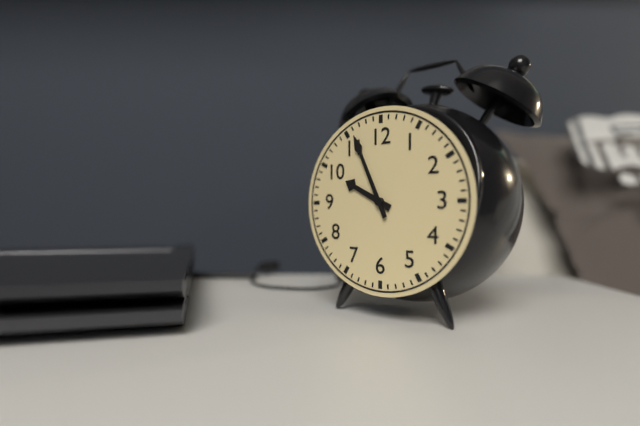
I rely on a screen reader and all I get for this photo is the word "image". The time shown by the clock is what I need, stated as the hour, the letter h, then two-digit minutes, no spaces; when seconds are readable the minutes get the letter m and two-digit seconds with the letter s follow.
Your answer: 9h56
